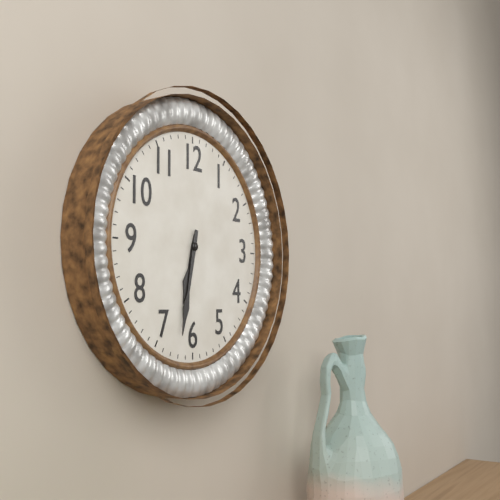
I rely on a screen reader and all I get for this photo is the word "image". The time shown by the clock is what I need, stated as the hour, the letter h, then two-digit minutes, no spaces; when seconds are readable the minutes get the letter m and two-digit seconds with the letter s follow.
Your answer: 6h32
